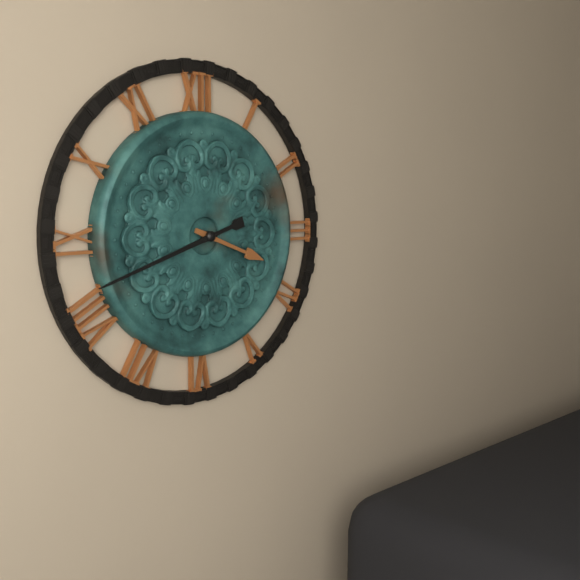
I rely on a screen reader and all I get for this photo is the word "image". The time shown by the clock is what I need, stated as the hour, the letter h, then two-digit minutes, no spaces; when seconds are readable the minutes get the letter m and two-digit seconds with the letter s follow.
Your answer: 3h42
